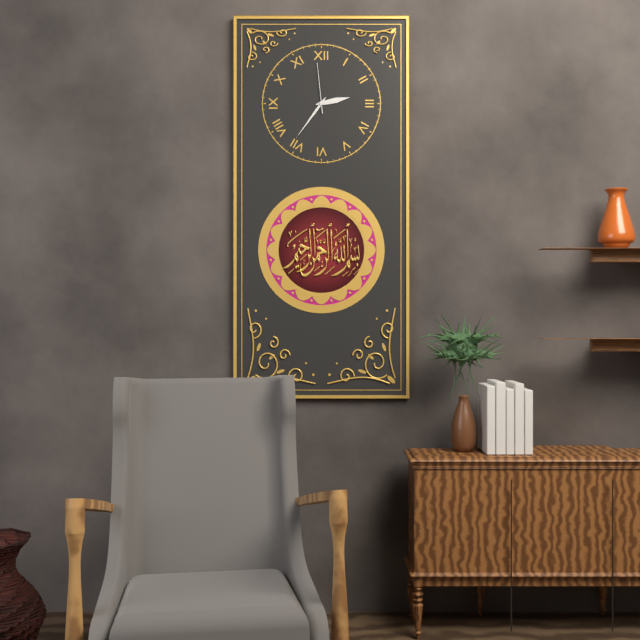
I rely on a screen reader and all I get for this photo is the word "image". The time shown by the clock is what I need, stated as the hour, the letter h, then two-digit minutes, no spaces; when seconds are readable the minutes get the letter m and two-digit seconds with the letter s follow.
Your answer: 2h36m59s
